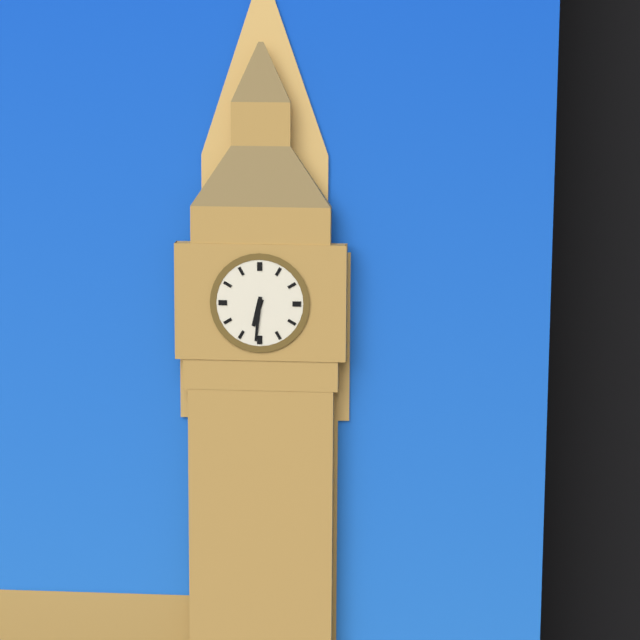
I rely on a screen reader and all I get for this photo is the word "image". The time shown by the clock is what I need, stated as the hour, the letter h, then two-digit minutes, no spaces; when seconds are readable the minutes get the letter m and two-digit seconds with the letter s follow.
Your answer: 6h31
